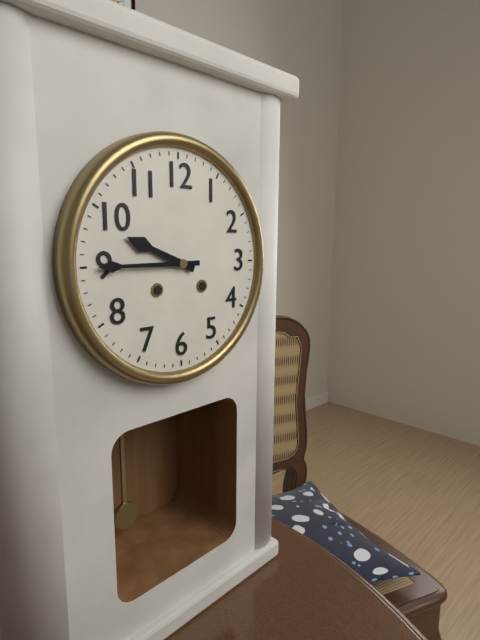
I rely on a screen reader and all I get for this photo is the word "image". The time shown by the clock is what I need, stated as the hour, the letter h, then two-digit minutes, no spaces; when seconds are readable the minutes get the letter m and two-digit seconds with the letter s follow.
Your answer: 9h45
